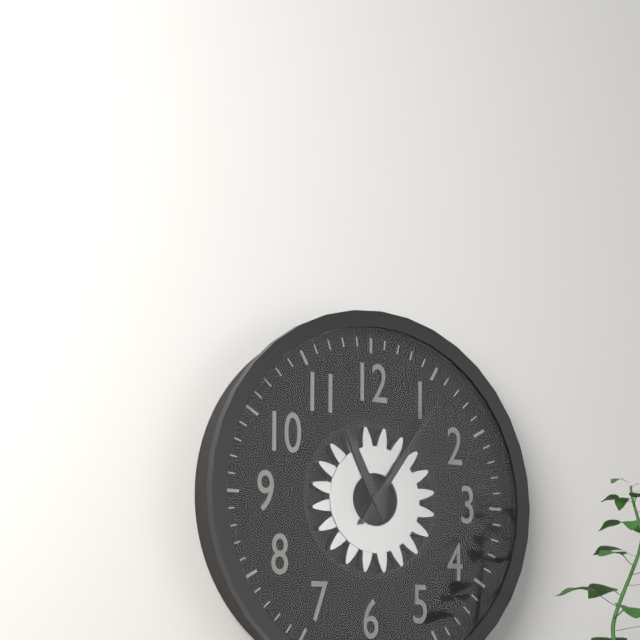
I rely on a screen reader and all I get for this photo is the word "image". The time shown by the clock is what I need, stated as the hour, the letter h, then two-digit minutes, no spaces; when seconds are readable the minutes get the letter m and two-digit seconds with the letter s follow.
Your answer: 11h06
